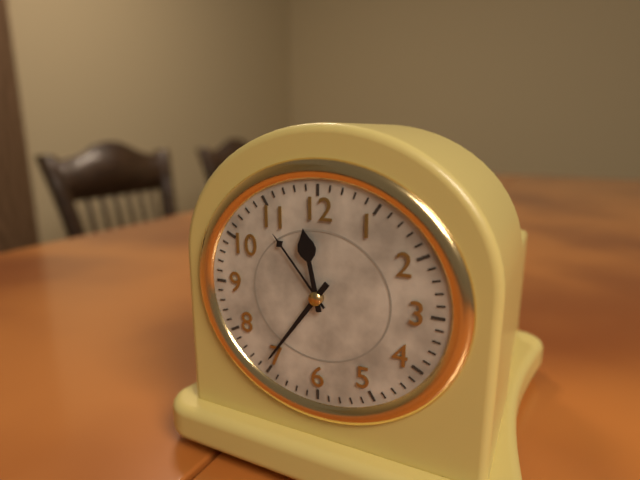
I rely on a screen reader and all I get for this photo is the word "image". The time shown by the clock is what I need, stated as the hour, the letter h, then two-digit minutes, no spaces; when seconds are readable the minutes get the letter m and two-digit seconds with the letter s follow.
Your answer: 11h36
